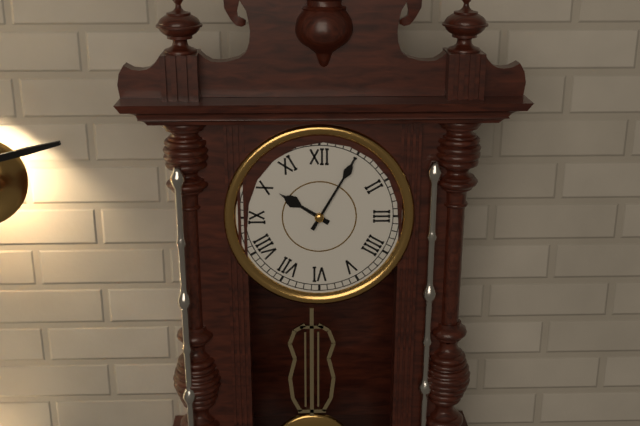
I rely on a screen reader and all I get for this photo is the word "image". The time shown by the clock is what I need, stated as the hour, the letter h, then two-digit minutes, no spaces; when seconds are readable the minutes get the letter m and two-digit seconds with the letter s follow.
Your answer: 10h05
